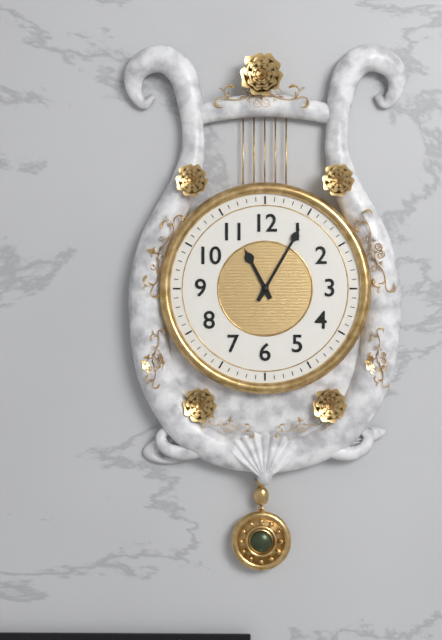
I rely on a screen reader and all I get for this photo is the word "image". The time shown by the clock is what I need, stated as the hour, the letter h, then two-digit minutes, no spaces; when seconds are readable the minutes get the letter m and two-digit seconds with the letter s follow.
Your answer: 11h05
